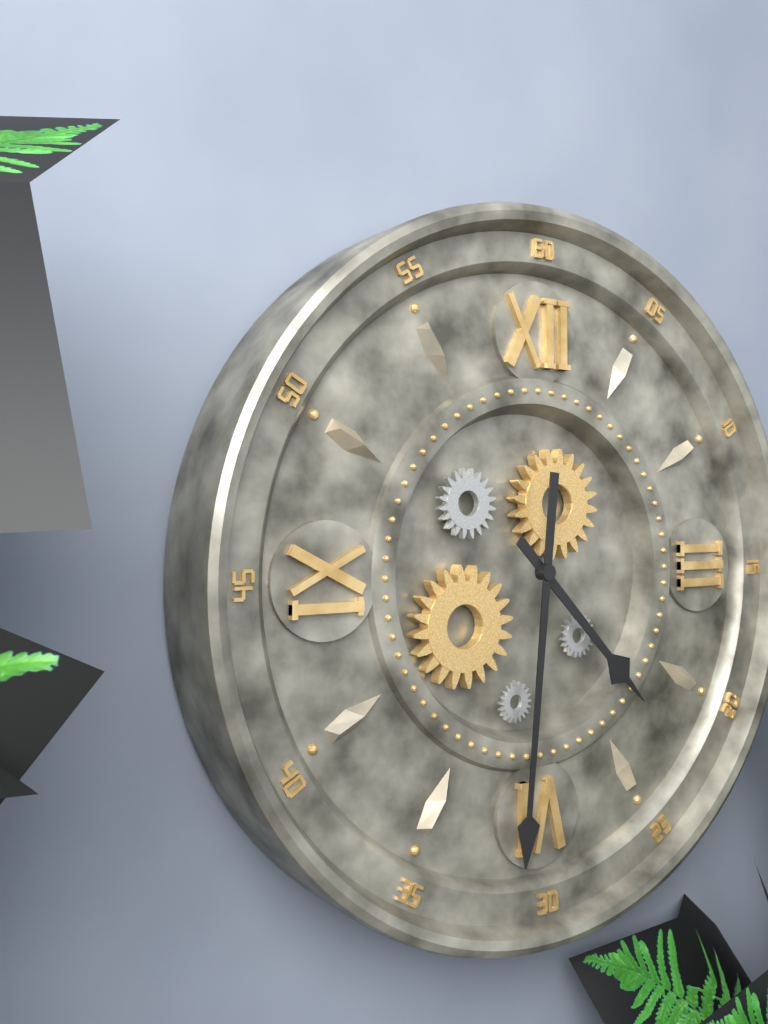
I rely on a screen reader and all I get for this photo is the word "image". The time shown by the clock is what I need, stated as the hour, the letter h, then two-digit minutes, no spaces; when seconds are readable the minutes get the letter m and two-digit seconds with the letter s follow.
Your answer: 4h31
